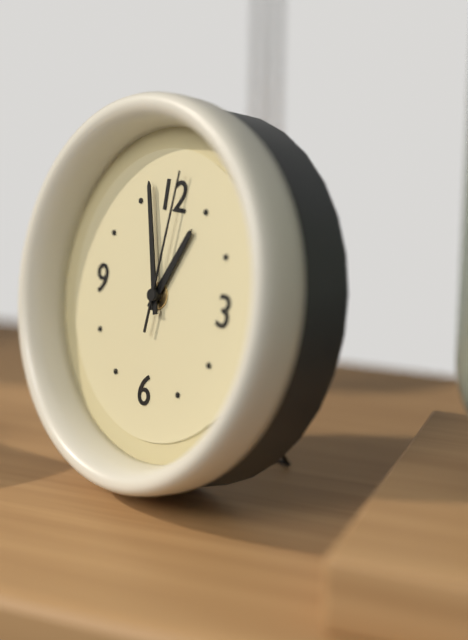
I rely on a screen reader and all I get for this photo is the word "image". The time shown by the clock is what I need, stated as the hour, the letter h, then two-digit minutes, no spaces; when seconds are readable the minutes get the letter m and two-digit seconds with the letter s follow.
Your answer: 12h57m01s
